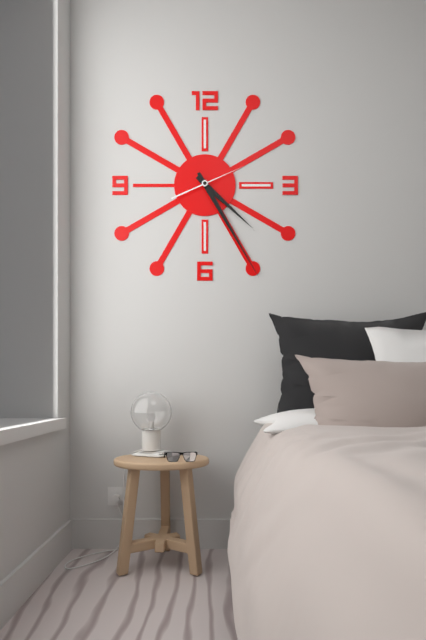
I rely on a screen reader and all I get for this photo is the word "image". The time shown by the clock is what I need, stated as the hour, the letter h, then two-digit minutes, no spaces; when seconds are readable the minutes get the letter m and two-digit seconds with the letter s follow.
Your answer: 4h25m11s
